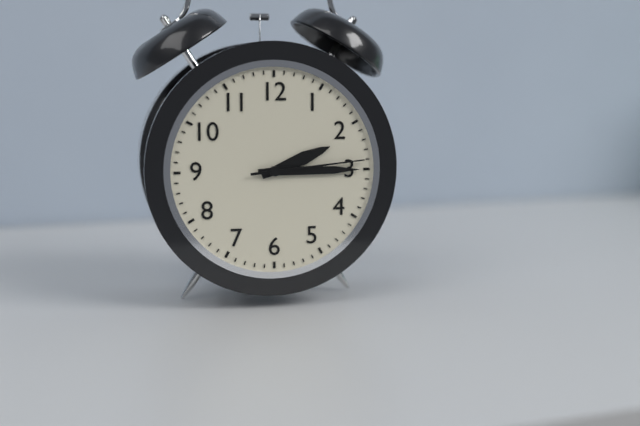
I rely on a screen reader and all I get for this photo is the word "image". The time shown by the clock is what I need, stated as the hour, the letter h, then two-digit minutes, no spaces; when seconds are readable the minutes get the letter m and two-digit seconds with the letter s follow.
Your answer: 2h15m14s
